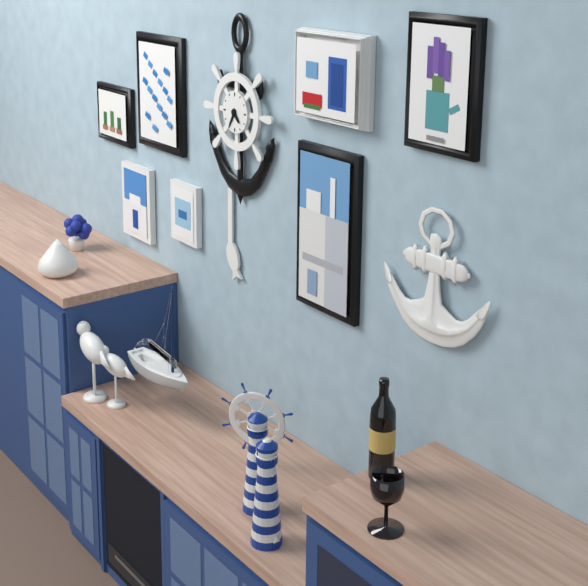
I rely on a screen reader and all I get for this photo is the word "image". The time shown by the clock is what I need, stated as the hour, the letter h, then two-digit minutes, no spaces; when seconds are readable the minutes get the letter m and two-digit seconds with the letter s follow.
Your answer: 4h35
